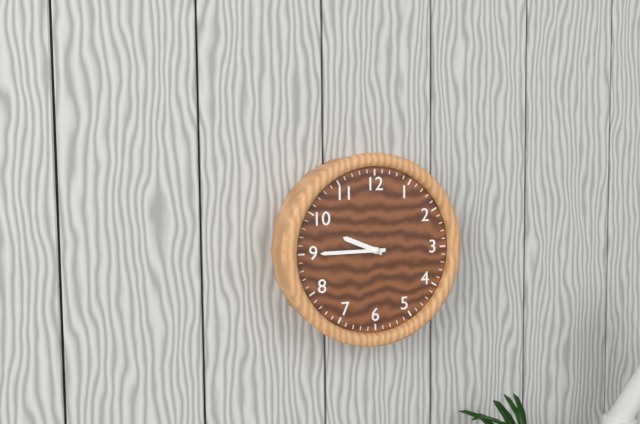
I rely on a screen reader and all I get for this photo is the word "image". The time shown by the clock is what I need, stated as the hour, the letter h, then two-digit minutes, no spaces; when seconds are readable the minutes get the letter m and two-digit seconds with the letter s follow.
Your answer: 9h45
